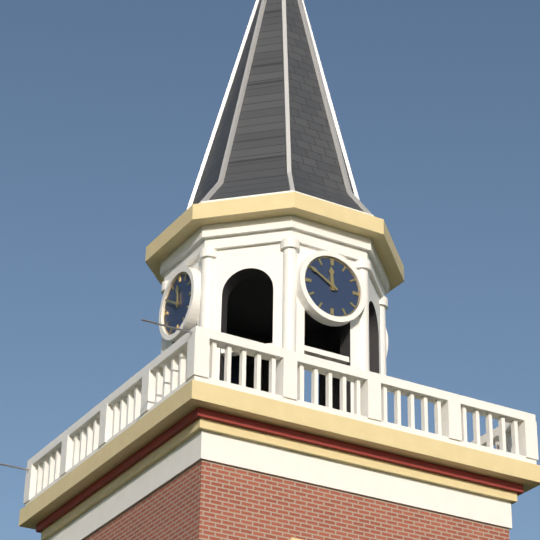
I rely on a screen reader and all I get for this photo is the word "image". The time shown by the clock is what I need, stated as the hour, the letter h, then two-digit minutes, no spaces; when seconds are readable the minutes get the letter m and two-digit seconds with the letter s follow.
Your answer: 11h50
